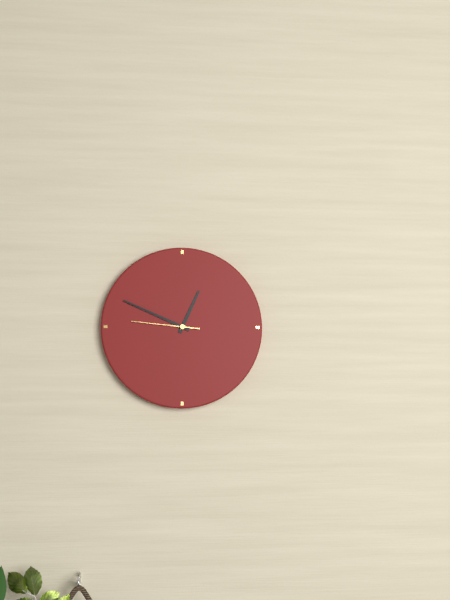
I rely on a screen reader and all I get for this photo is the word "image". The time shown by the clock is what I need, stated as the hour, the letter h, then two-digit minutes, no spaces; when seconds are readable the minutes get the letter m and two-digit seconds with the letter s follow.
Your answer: 12h49m46s
